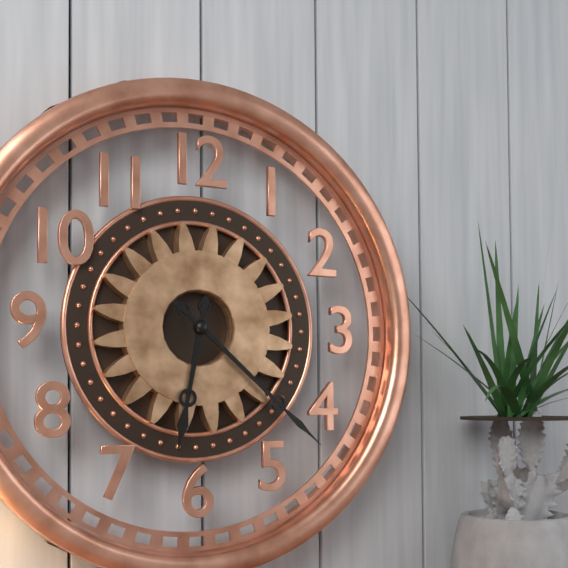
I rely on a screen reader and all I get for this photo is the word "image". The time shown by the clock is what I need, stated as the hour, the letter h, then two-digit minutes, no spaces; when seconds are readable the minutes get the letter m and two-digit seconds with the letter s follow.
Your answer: 6h22
